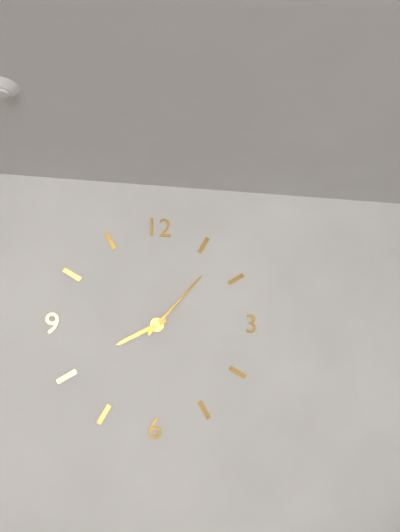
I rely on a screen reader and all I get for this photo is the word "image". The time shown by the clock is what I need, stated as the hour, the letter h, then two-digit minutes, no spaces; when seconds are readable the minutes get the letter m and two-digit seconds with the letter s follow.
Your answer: 8h07
